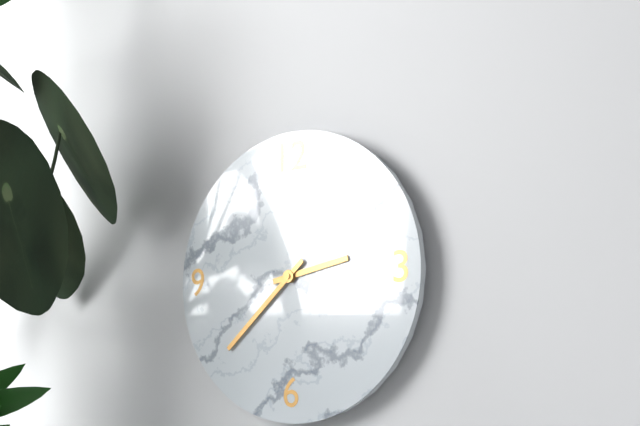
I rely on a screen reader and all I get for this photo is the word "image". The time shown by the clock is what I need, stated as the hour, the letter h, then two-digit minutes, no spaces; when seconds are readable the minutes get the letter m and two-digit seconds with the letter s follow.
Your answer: 2h38
